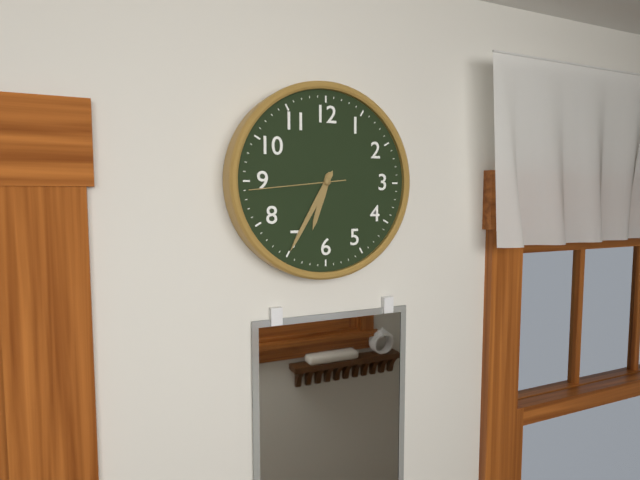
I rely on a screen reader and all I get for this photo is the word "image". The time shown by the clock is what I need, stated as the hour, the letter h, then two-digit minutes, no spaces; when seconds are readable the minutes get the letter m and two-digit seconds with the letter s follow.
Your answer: 6h35m44s
